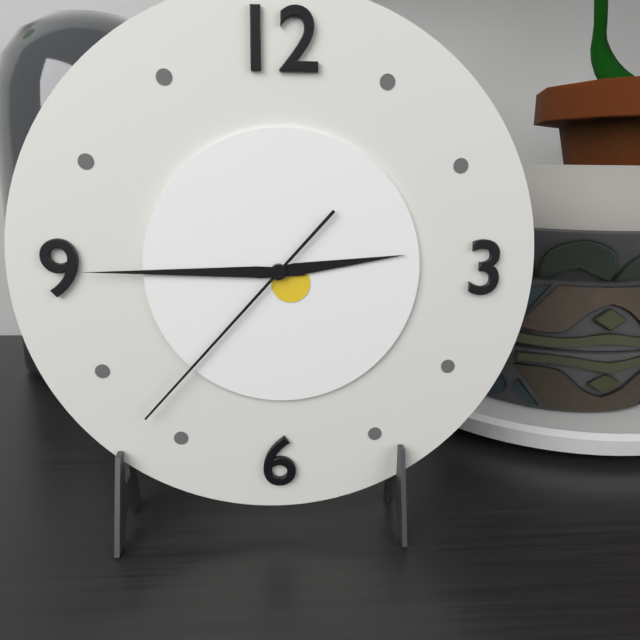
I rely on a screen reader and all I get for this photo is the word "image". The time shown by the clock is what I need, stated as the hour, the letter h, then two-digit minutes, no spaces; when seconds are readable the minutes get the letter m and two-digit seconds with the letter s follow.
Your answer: 2h45m37s
